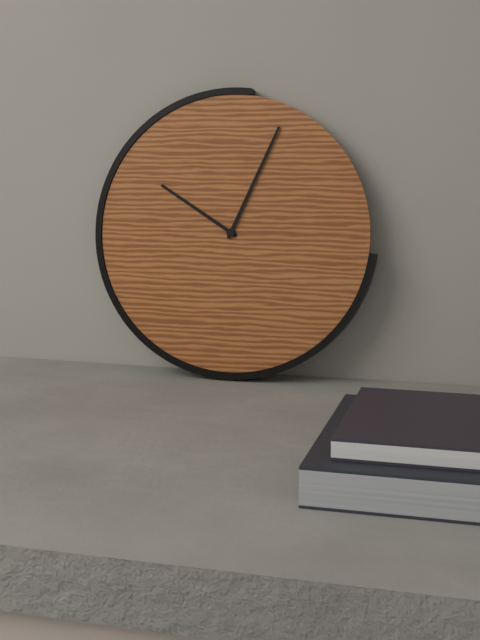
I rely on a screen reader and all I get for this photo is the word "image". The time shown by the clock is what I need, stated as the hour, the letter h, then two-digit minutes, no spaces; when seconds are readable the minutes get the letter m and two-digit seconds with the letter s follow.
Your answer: 10h04
